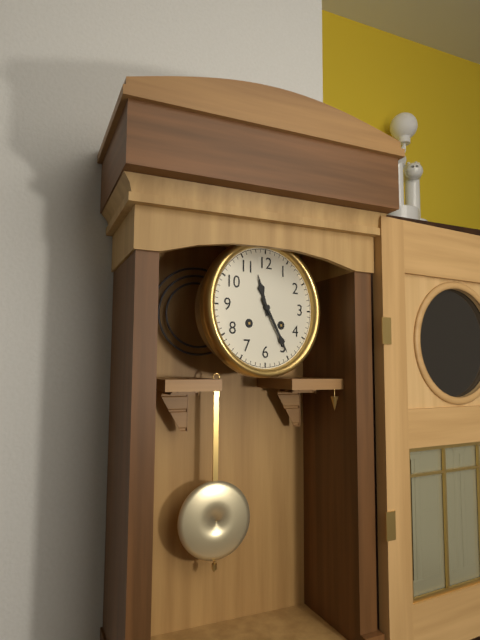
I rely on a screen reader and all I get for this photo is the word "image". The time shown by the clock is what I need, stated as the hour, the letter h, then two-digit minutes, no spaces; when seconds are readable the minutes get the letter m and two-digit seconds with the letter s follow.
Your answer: 11h25
